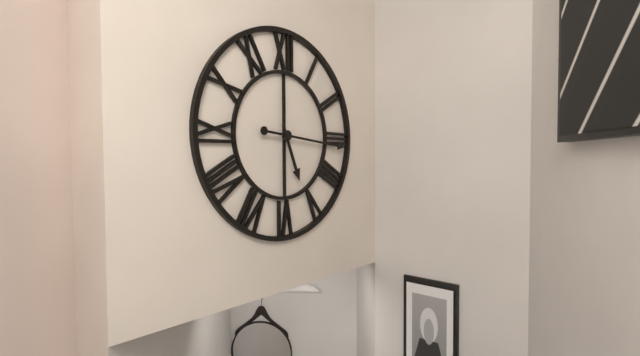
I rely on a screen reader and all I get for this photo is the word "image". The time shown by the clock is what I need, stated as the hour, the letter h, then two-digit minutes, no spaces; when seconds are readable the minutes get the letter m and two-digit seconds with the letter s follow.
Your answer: 5h16
